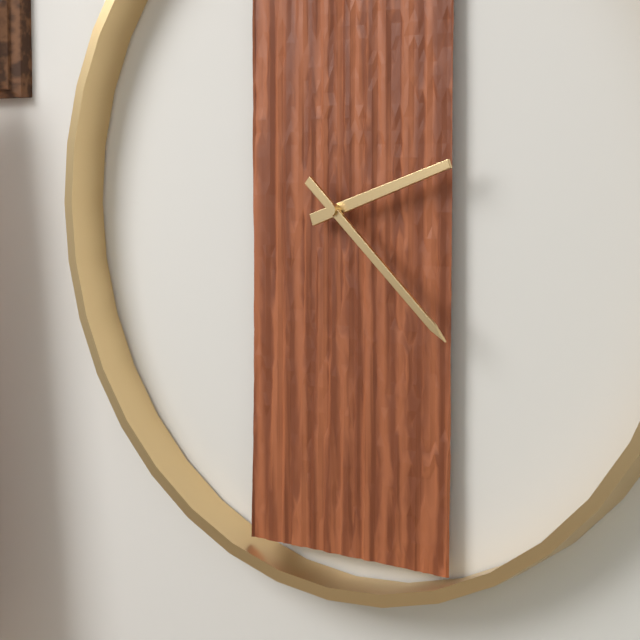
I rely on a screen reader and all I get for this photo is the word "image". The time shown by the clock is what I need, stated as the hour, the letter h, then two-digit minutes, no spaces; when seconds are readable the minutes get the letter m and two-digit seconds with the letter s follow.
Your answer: 2h22
